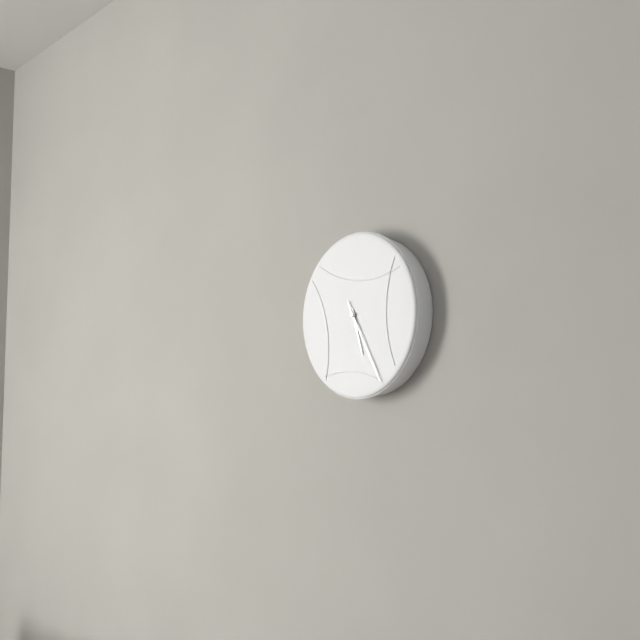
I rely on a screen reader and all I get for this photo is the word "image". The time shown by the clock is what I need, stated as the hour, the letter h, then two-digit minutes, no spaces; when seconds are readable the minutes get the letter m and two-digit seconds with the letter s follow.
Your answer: 5h25
